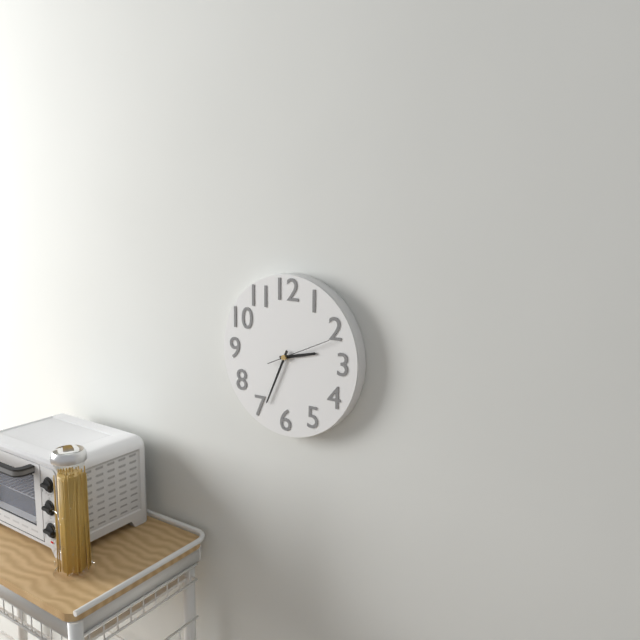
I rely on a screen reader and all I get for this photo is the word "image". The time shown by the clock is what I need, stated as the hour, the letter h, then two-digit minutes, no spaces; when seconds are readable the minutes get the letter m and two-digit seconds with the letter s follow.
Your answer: 2h34m11s
